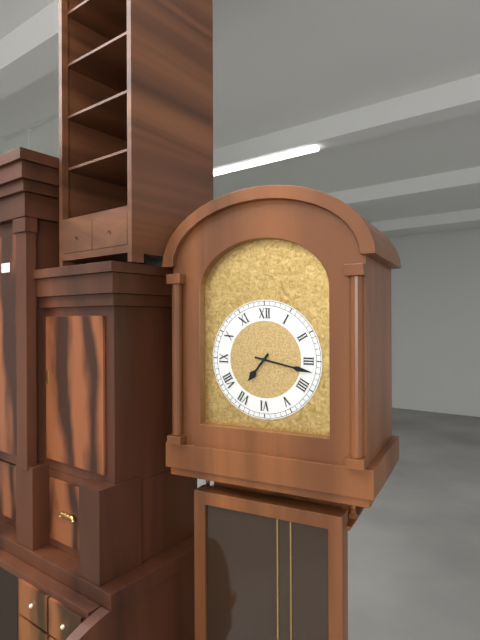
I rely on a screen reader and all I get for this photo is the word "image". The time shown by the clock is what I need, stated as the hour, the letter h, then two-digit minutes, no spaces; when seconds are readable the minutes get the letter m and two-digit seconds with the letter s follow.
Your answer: 7h17
